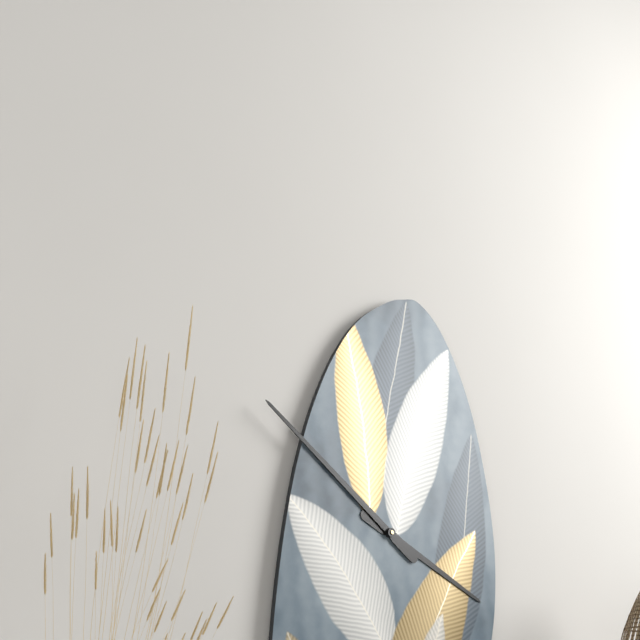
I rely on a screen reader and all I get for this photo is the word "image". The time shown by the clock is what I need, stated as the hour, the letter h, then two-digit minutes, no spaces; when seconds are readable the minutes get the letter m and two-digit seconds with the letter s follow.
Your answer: 3h51
